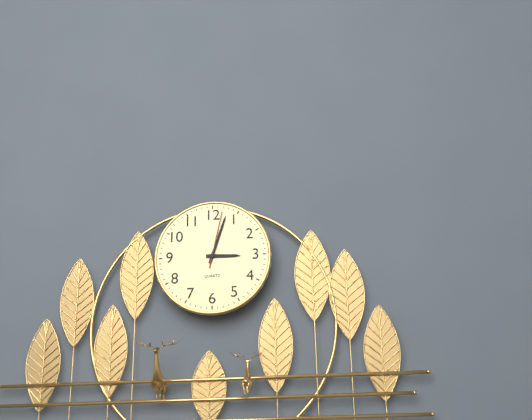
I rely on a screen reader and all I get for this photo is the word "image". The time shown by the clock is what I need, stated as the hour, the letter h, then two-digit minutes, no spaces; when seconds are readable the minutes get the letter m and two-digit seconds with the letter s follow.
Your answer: 3h03m02s
